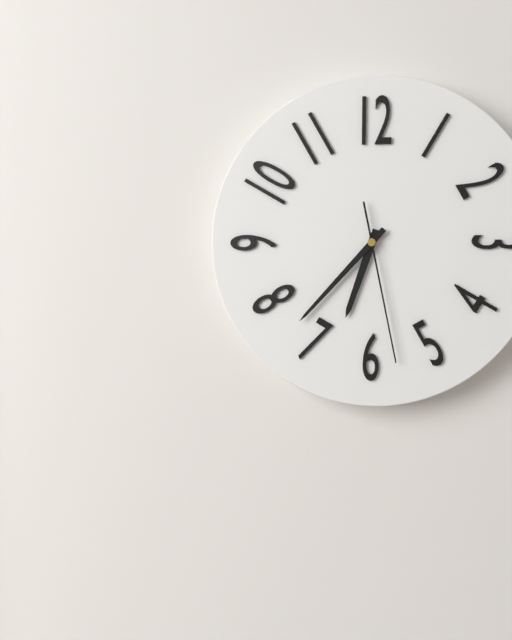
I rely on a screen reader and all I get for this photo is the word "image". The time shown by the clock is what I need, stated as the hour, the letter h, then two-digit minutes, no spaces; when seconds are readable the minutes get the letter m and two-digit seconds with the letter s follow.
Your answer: 6h37m28s
